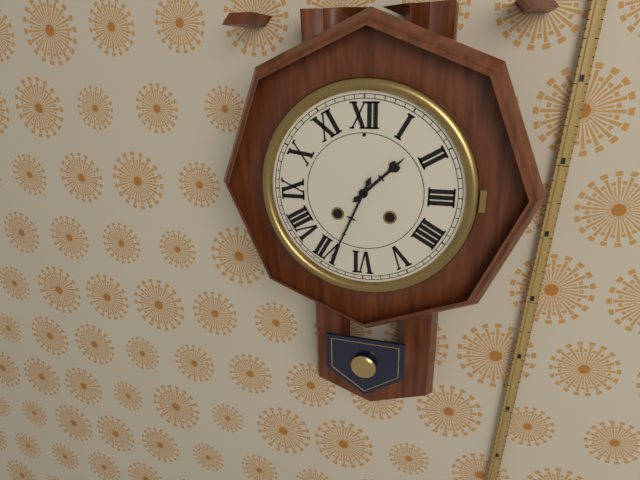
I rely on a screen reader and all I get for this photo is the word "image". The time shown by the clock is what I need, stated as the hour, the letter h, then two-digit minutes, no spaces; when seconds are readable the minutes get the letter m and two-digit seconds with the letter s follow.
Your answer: 1h34
